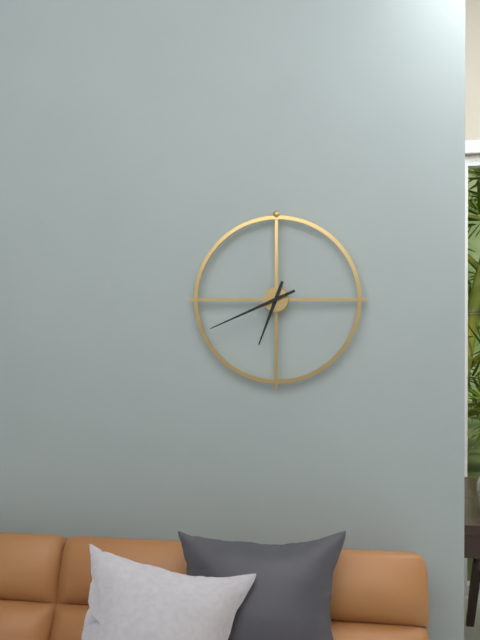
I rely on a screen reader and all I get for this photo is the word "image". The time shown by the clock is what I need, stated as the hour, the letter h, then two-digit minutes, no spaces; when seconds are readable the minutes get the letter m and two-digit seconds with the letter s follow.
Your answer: 6h41
